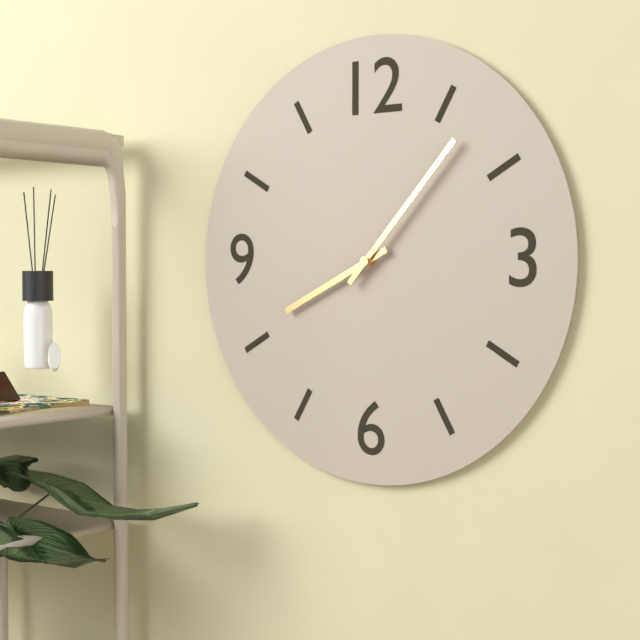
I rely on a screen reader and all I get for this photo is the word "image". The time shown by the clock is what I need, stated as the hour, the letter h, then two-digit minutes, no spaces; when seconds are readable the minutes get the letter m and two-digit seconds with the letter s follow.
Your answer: 8h07
